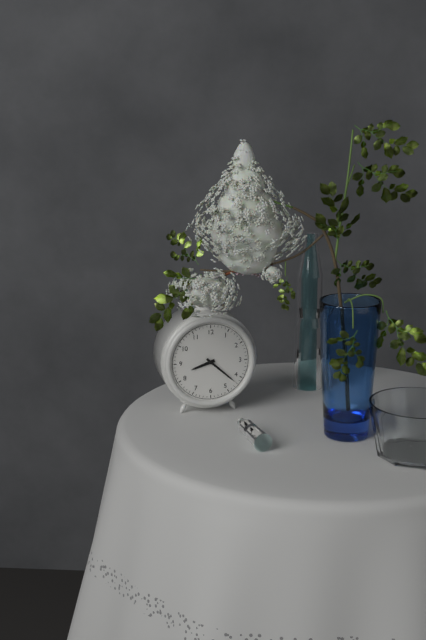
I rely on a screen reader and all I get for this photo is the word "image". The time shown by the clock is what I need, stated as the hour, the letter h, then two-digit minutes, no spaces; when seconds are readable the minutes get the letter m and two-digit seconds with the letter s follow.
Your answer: 8h22
